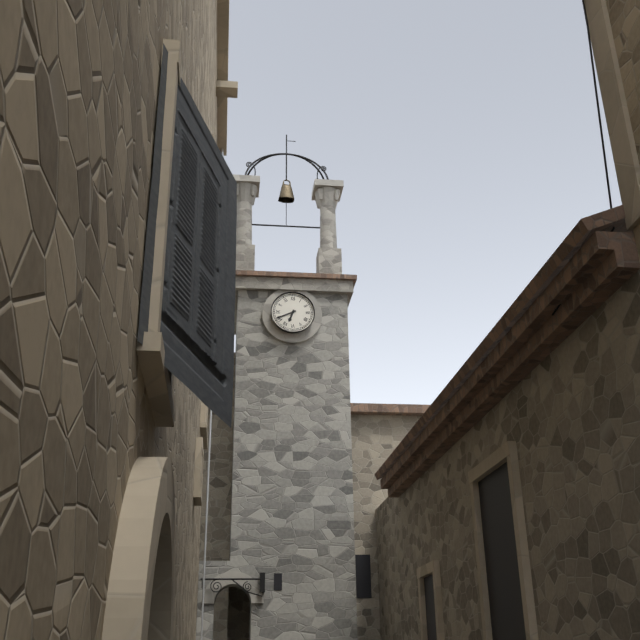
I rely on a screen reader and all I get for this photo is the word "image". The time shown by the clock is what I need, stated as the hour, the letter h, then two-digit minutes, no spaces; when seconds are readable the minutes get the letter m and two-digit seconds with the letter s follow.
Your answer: 6h41
